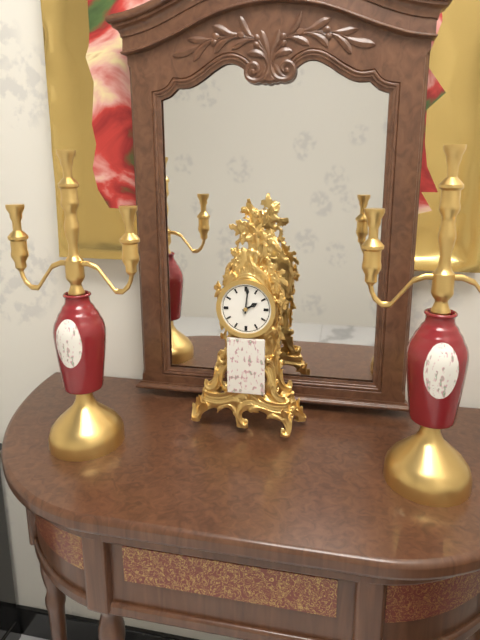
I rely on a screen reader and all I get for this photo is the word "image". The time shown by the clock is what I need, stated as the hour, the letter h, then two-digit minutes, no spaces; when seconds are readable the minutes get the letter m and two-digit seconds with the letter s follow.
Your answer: 2h01
